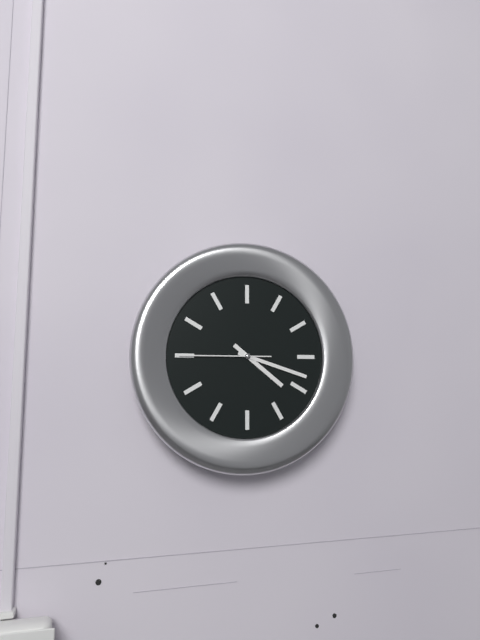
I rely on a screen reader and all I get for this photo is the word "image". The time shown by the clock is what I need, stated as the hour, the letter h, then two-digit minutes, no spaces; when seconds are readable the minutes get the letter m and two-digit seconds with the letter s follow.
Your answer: 4h18m45s
